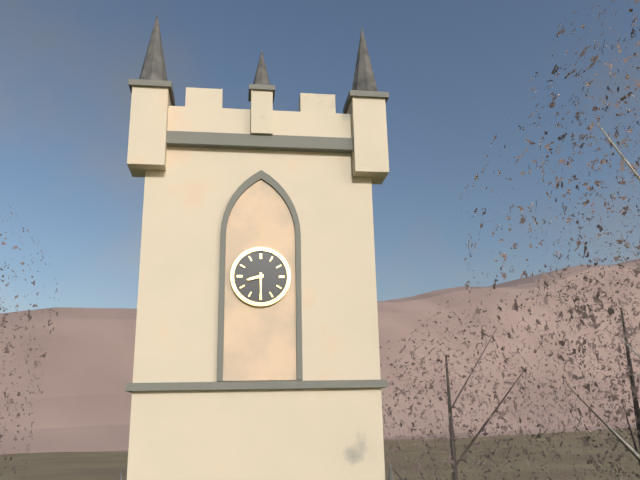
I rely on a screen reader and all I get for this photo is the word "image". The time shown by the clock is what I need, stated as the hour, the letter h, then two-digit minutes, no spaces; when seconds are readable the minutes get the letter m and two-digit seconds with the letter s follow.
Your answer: 8h30
